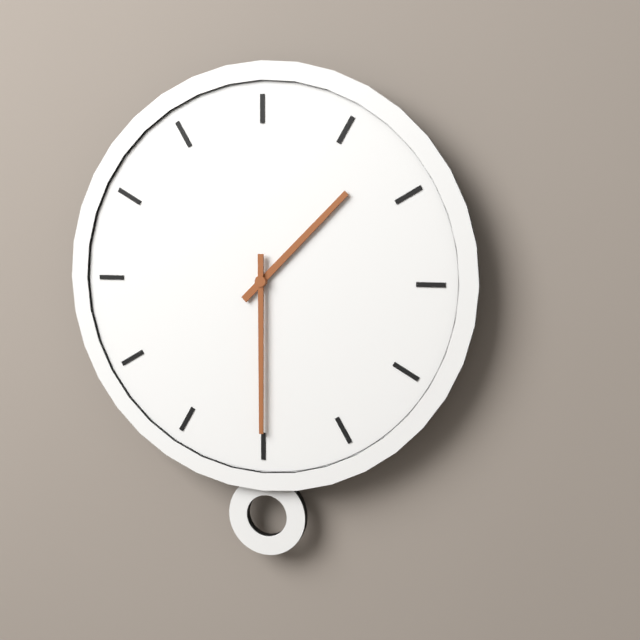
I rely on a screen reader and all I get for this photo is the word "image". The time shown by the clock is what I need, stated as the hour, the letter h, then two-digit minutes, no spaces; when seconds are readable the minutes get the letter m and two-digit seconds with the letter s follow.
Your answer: 1h30
